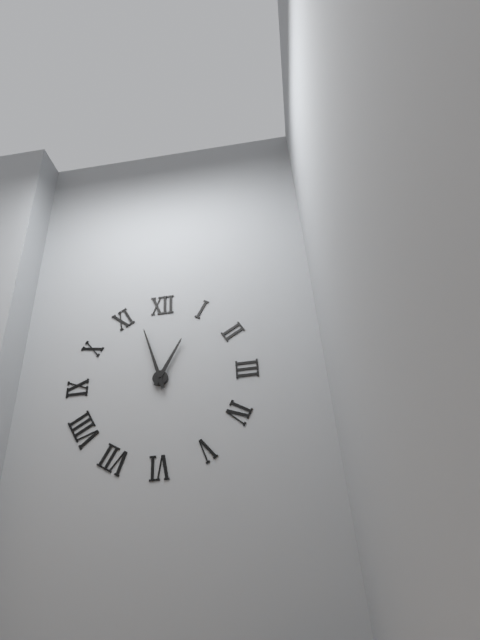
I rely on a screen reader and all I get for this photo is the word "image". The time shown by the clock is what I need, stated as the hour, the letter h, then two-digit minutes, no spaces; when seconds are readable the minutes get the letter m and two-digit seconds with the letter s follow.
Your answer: 12h57
